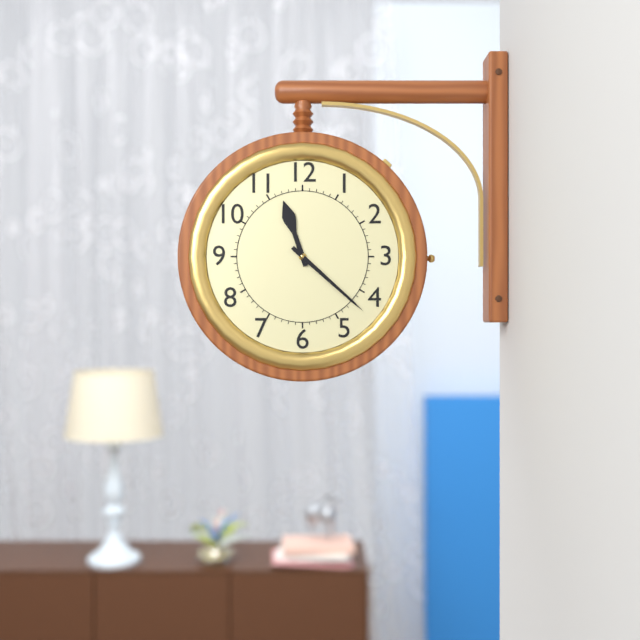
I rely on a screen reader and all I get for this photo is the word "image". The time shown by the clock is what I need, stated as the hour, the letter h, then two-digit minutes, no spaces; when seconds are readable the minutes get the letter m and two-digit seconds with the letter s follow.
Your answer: 11h22
